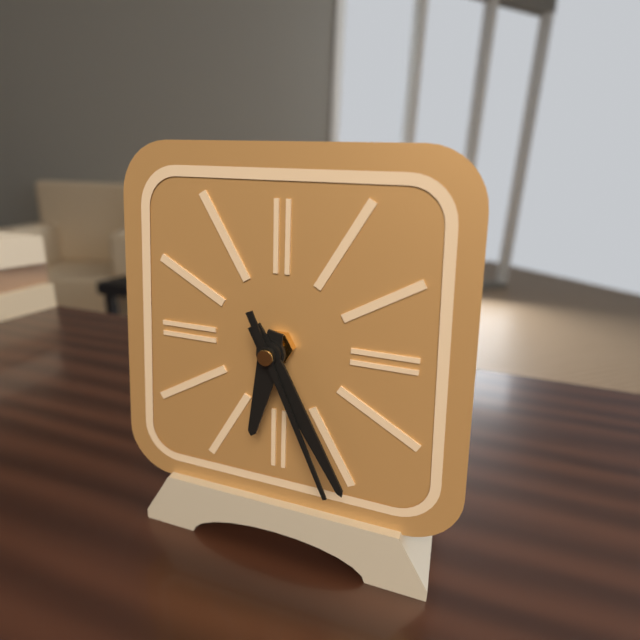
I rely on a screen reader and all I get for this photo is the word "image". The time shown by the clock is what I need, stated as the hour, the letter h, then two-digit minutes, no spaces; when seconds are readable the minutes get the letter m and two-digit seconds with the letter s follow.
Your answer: 6h25m26s
